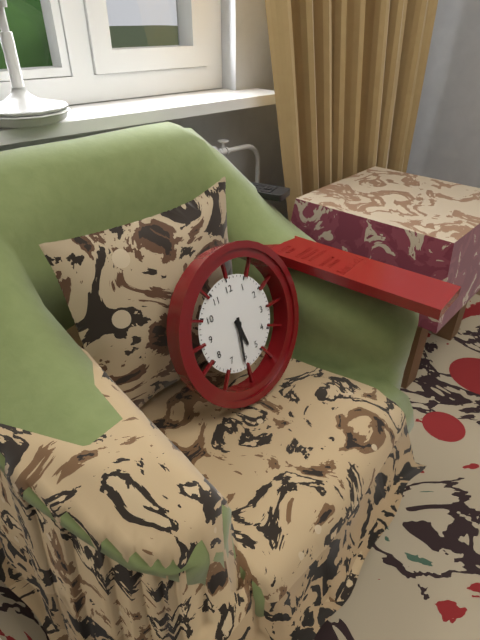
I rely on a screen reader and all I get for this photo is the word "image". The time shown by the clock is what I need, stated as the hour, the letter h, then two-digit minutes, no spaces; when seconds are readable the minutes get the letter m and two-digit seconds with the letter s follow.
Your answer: 5h31
